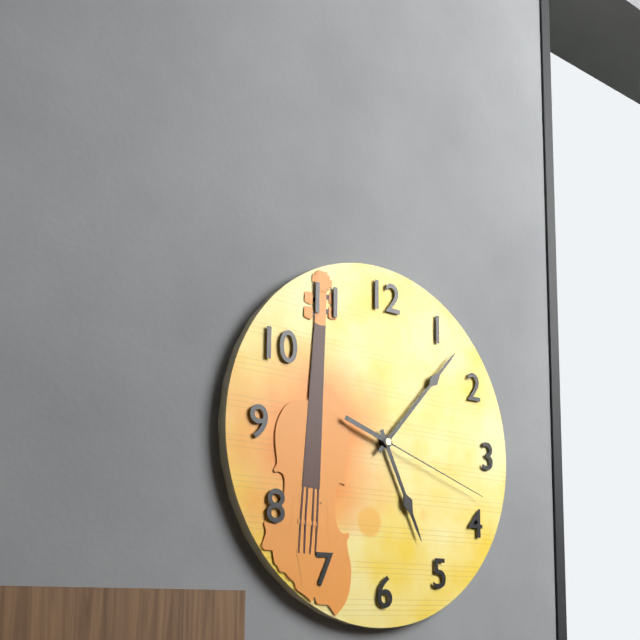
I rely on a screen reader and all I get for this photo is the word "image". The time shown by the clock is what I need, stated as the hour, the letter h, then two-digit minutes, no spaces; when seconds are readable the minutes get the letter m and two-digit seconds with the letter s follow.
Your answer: 5h07m18s
